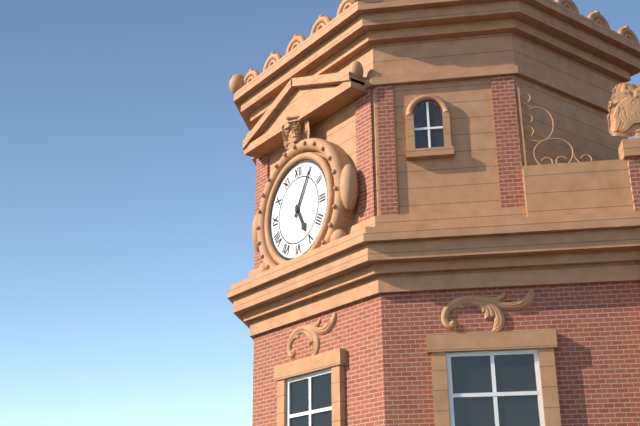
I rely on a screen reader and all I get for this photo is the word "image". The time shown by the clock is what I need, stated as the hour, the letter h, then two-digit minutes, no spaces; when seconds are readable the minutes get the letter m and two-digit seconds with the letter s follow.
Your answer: 5h05
